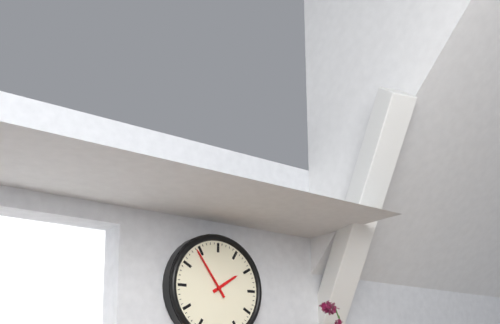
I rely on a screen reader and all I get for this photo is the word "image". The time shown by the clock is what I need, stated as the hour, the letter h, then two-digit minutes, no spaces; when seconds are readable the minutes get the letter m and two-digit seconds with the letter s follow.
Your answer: 1h54
